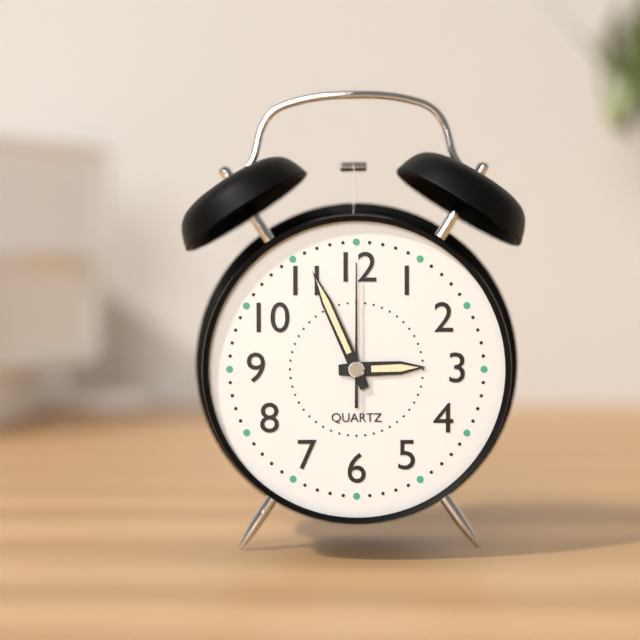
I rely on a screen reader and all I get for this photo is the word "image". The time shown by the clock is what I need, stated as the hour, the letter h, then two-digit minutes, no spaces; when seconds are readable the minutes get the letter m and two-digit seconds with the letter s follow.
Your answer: 2h56m00s
